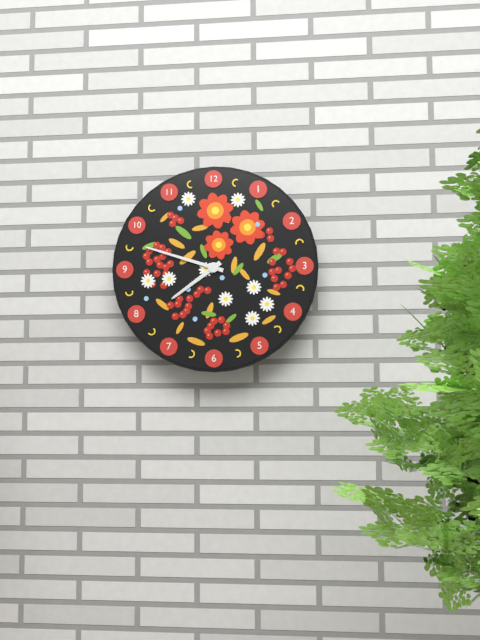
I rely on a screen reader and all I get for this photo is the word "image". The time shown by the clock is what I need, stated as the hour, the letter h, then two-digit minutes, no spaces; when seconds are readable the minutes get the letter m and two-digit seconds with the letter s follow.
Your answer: 7h48
